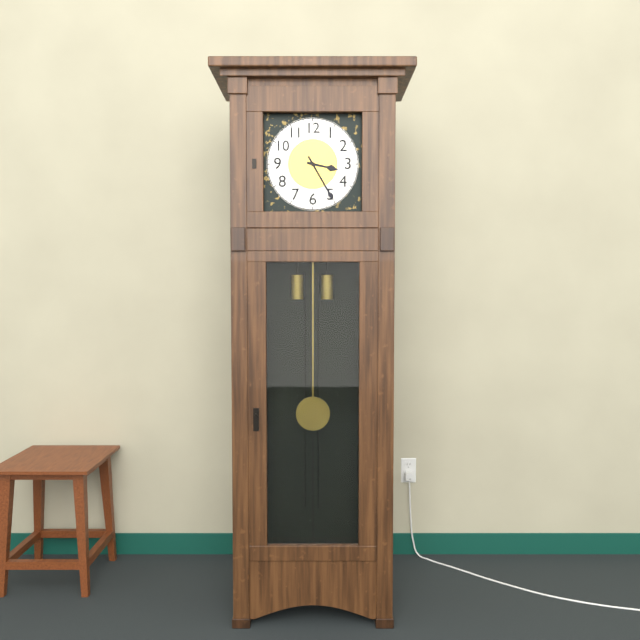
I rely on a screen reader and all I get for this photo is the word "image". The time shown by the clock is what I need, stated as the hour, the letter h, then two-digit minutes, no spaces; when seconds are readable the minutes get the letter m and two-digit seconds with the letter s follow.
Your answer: 3h25
